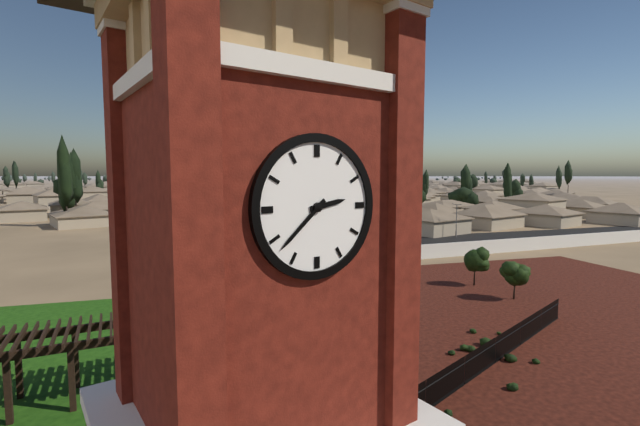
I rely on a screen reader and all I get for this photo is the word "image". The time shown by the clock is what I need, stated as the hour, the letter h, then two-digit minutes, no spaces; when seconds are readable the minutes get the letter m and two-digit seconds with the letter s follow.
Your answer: 2h38
